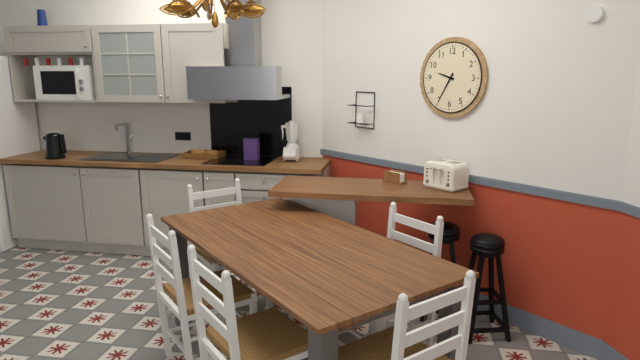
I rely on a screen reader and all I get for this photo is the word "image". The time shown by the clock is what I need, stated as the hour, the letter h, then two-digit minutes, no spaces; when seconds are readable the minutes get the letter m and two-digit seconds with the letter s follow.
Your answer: 9h35
